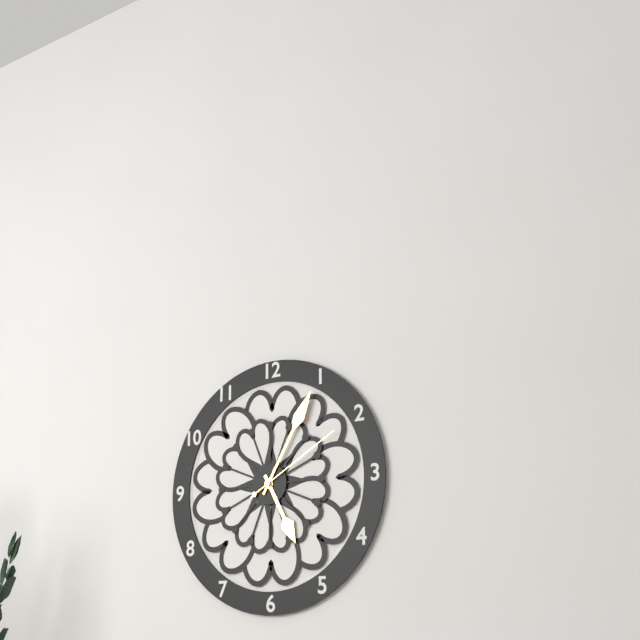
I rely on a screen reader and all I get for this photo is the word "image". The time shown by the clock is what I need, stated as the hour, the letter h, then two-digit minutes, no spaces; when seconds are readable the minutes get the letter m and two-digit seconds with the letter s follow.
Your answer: 5h05m10s
